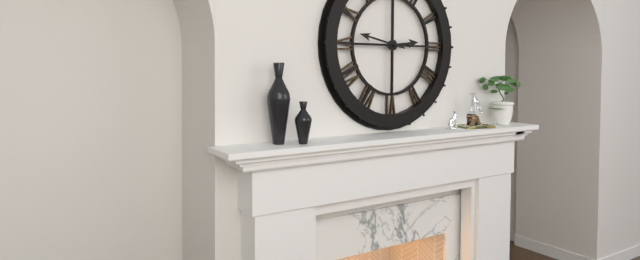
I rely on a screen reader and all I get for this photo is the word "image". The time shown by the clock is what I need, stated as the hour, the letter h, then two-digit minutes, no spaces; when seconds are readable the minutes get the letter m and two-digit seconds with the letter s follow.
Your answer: 2h47
